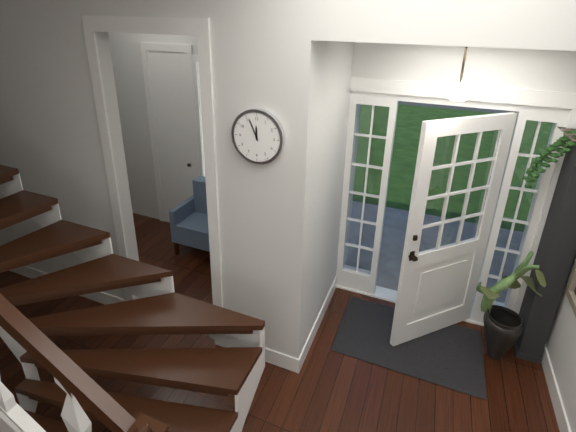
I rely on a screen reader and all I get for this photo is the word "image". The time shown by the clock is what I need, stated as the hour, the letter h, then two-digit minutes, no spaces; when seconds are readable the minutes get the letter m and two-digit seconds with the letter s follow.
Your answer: 11h56
